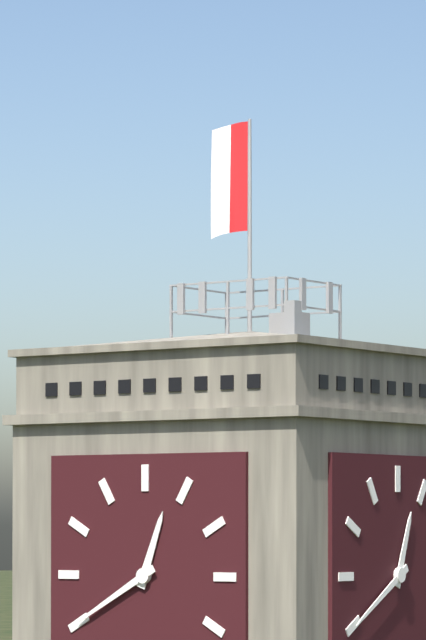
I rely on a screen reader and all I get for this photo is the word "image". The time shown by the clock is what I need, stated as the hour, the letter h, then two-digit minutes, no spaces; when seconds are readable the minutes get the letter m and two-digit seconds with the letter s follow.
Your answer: 12h40
